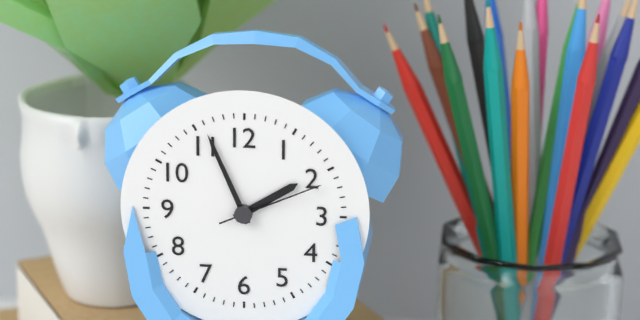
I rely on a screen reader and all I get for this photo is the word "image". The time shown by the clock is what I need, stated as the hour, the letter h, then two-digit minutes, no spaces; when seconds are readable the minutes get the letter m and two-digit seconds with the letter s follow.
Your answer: 1h56m11s
